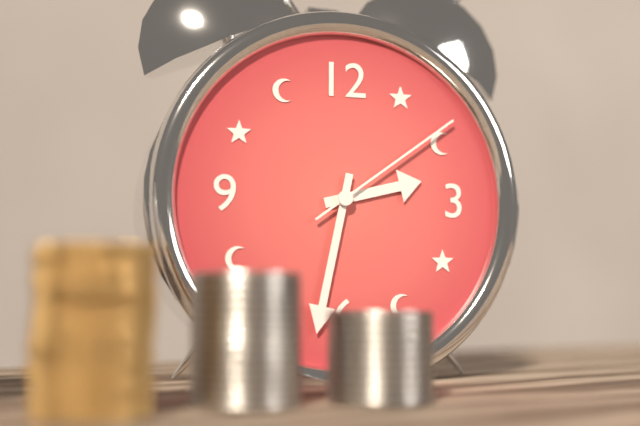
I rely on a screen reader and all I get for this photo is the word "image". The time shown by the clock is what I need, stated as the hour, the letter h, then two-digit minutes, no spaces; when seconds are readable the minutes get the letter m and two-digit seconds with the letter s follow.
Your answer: 2h32m09s
